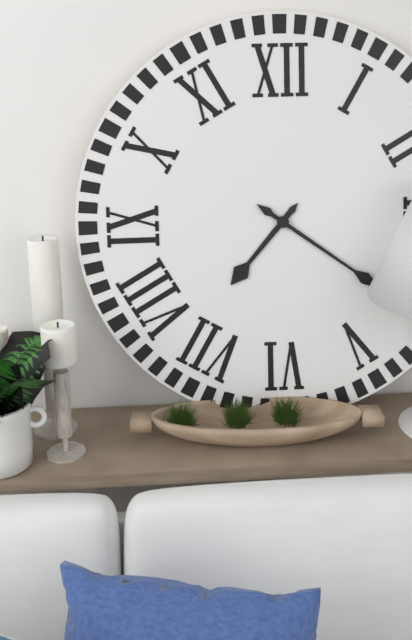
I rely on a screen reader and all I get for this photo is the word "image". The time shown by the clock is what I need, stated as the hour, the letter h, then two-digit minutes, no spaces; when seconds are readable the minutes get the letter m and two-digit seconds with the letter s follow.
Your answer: 7h21
